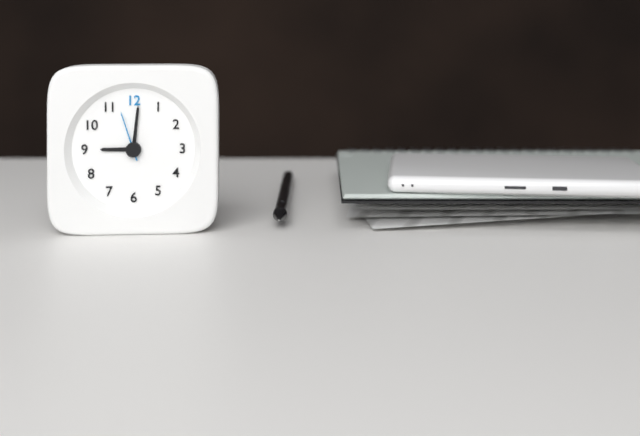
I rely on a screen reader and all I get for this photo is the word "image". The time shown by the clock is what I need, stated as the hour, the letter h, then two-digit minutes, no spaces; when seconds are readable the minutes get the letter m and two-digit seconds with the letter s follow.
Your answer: 9h01m57s
